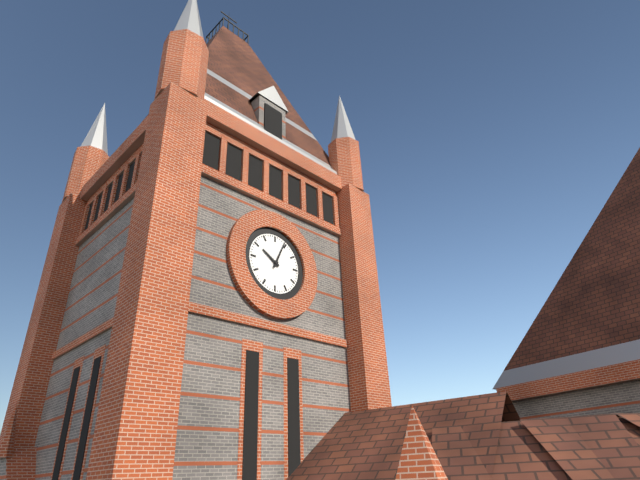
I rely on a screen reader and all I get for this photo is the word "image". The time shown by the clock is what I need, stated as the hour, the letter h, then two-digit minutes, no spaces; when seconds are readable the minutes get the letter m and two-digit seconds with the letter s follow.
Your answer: 10h04
